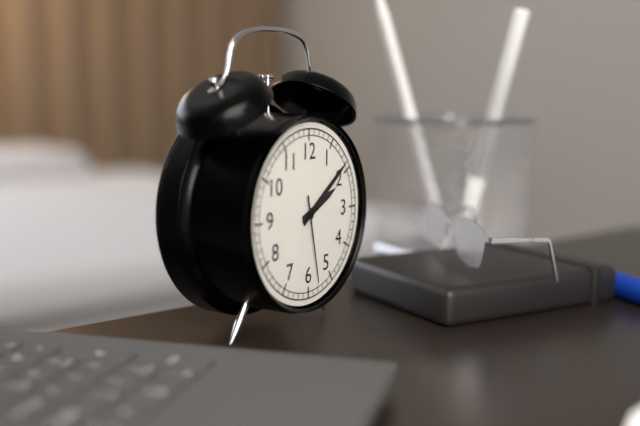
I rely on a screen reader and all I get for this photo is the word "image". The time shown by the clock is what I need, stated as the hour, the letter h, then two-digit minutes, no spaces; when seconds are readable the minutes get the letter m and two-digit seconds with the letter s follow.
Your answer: 2h09m28s
